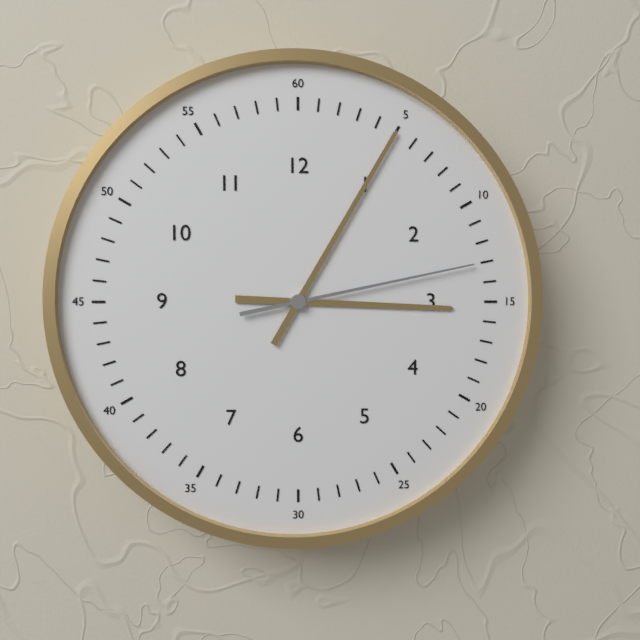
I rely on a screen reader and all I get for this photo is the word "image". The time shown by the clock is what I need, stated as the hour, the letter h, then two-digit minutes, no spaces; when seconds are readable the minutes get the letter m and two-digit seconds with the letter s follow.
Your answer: 3h05m13s
